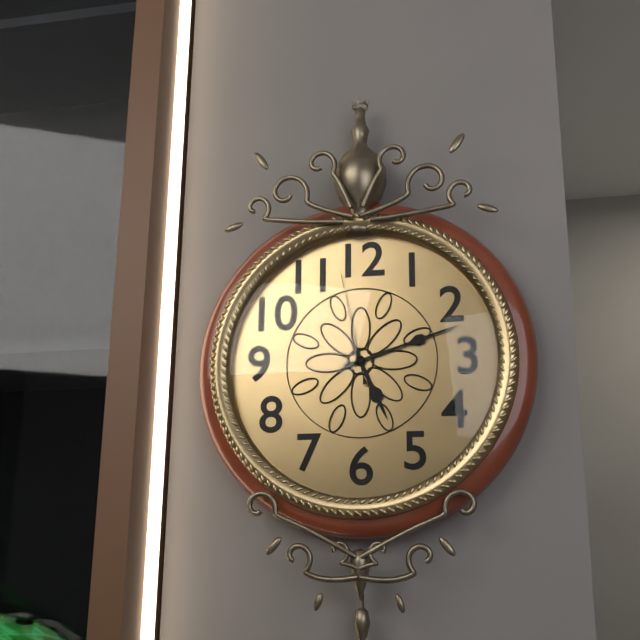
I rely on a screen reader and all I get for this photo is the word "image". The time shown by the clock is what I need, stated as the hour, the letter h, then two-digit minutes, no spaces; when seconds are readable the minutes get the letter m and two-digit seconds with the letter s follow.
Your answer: 5h12m58s
